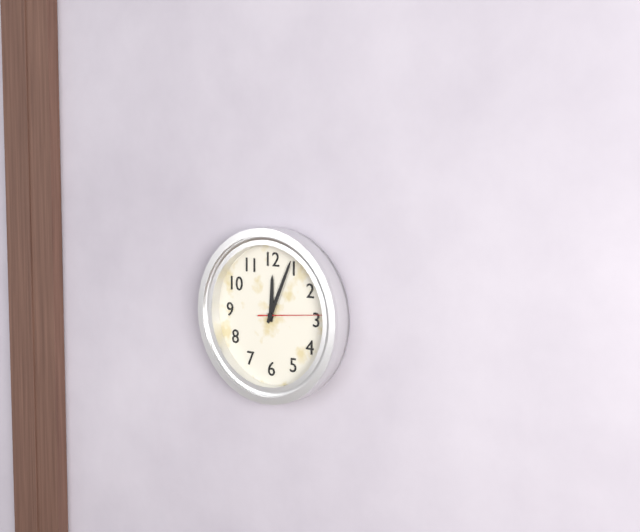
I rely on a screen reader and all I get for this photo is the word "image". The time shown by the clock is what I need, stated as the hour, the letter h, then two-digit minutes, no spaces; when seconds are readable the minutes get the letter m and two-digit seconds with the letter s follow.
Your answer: 12h04m14s
